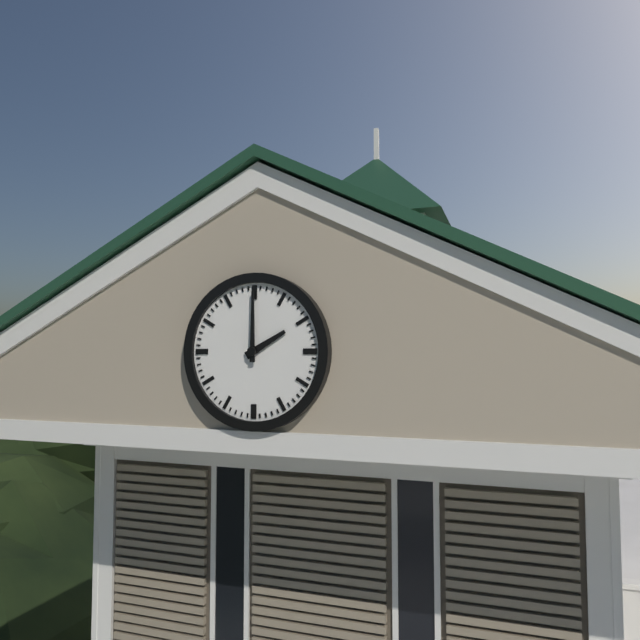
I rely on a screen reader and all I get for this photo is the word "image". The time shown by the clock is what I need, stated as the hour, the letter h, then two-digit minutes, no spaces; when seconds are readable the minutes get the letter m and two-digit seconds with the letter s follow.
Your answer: 2h00
